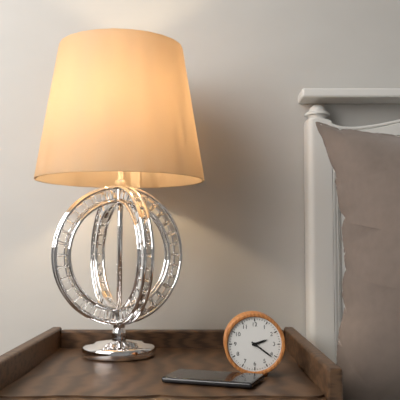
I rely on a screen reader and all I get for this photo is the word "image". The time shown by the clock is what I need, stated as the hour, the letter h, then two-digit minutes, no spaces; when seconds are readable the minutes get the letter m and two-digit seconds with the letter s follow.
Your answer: 2h21
